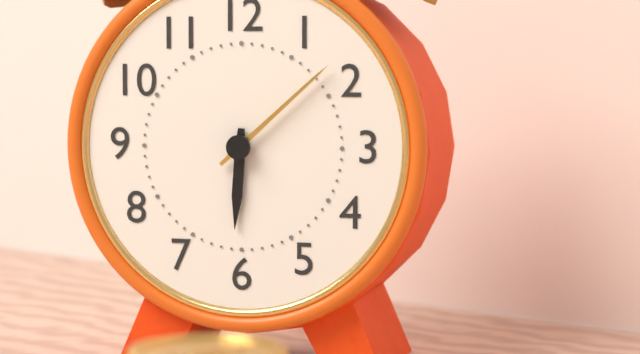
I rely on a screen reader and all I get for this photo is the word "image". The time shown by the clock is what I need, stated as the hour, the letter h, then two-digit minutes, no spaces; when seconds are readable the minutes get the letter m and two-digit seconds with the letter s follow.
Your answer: 6h08
